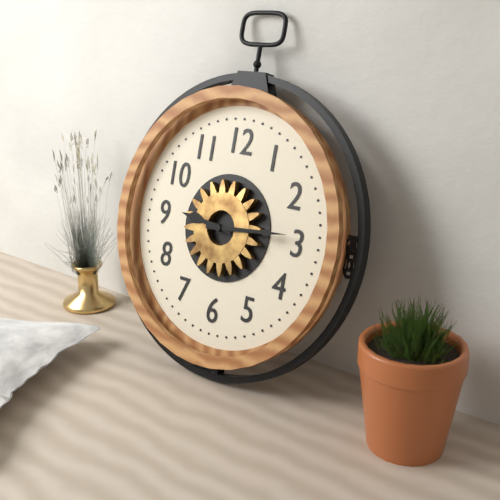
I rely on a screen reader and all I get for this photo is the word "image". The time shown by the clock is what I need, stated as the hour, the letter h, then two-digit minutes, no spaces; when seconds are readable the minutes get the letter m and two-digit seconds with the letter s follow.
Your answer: 9h14
